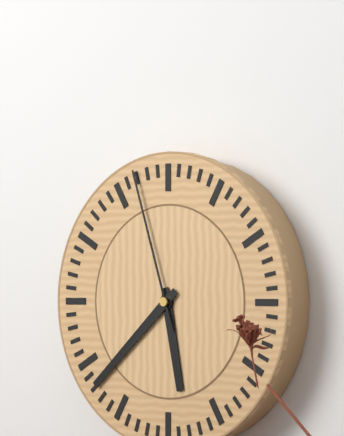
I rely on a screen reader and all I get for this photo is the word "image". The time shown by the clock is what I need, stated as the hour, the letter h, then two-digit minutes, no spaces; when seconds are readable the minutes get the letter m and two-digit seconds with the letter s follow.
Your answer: 5h38m57s
